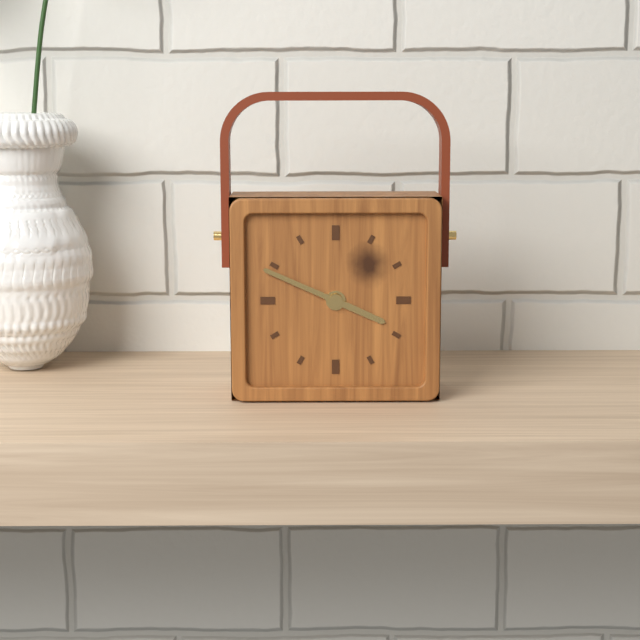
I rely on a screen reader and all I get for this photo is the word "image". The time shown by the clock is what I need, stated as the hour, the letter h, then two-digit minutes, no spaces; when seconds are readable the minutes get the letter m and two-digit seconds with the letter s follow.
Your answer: 3h49
